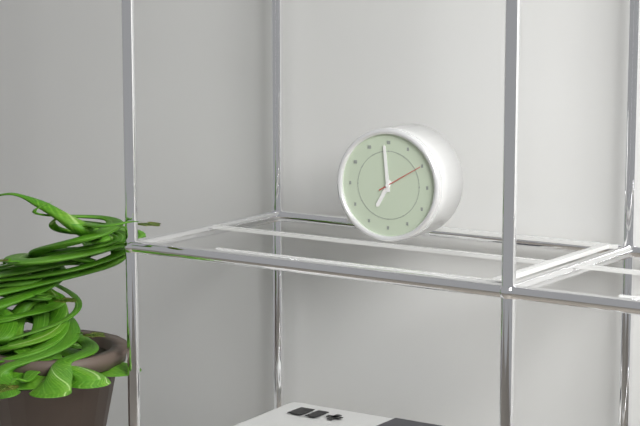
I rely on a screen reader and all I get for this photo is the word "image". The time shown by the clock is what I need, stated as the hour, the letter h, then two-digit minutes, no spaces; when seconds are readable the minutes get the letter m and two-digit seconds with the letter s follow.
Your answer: 6h59
